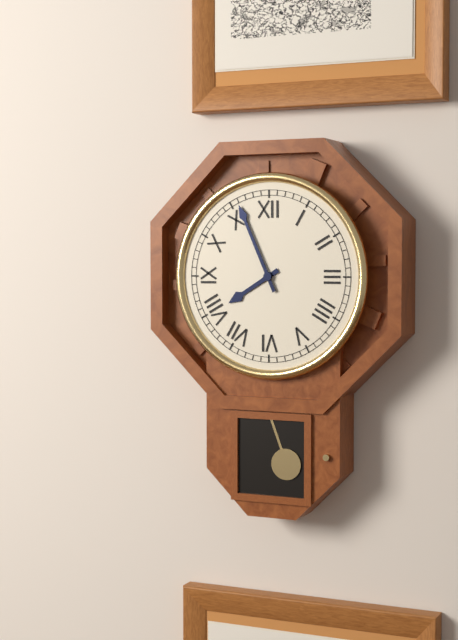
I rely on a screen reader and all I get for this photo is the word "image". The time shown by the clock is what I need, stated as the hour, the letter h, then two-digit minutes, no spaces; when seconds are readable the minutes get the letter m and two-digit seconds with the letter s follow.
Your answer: 7h56
